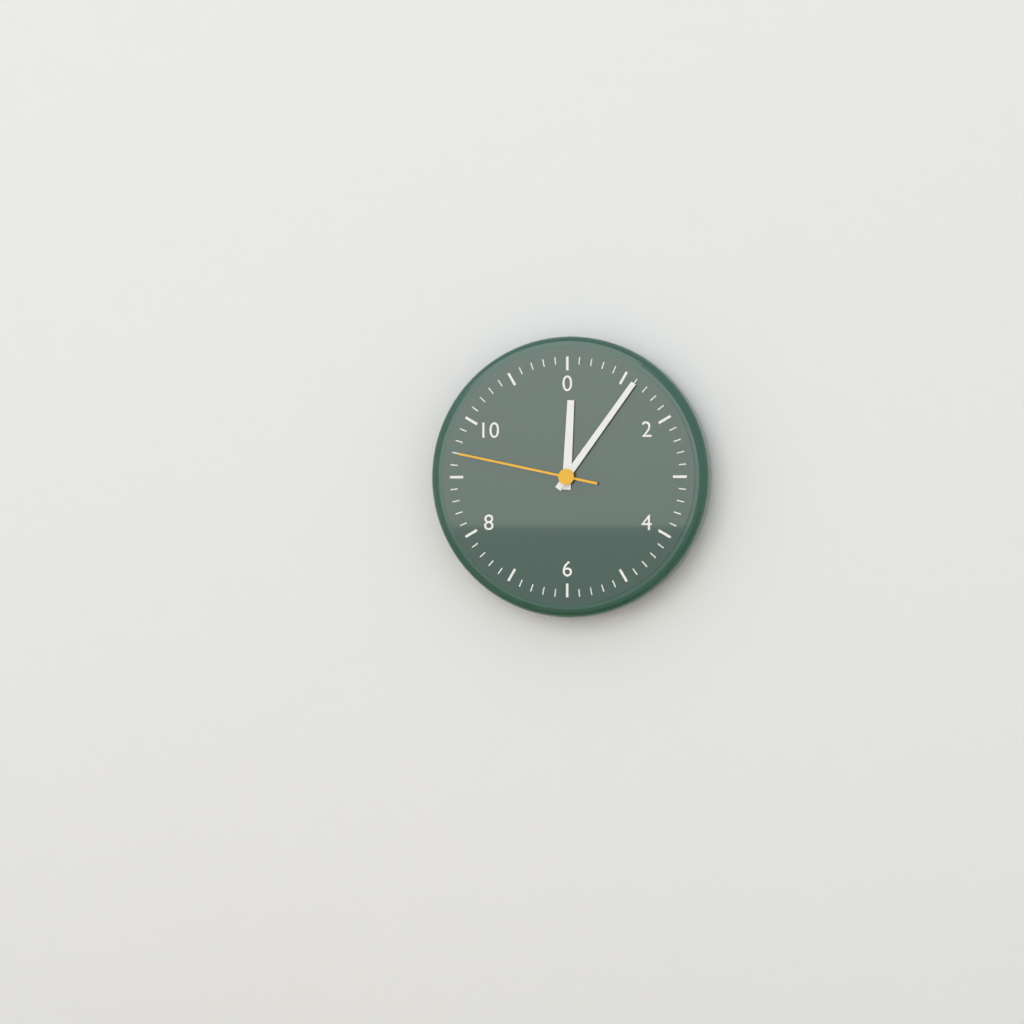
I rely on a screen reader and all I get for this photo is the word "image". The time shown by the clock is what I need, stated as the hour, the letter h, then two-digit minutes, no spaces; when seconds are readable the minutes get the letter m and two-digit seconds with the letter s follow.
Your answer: 12h06m47s
